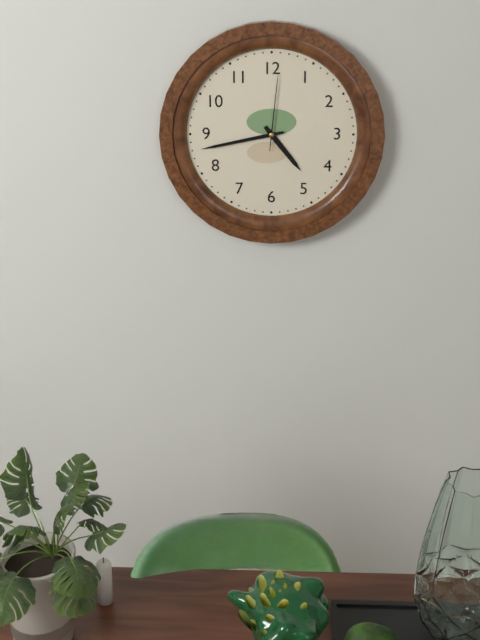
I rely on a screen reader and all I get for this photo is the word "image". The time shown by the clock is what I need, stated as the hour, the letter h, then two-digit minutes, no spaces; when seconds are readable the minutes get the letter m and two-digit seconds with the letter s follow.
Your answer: 4h43m01s
